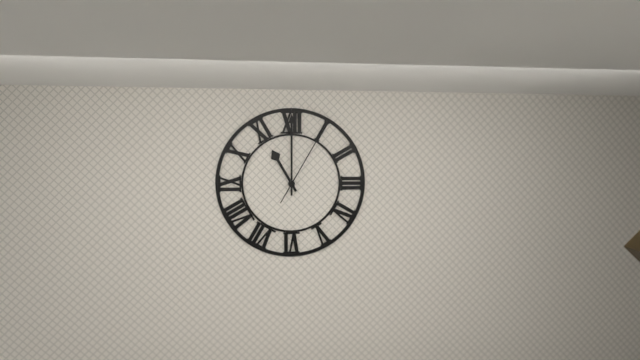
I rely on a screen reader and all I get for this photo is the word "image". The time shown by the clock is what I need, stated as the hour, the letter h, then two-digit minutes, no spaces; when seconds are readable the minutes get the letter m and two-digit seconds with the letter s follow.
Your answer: 11h00m05s
